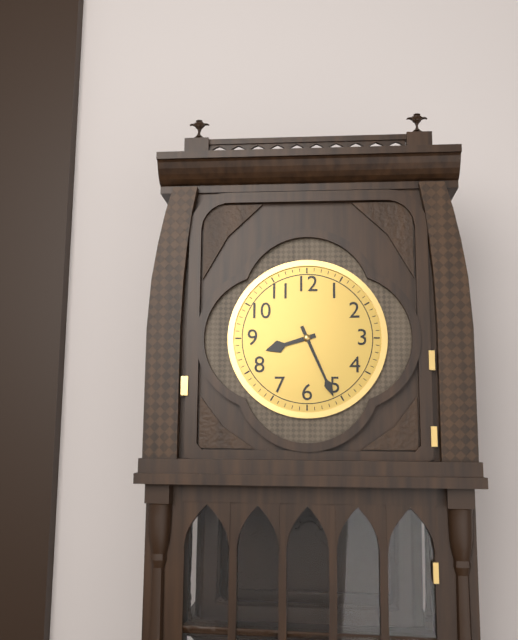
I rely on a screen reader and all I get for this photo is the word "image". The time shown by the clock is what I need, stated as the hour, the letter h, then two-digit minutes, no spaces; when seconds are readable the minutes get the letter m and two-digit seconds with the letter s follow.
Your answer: 8h26
